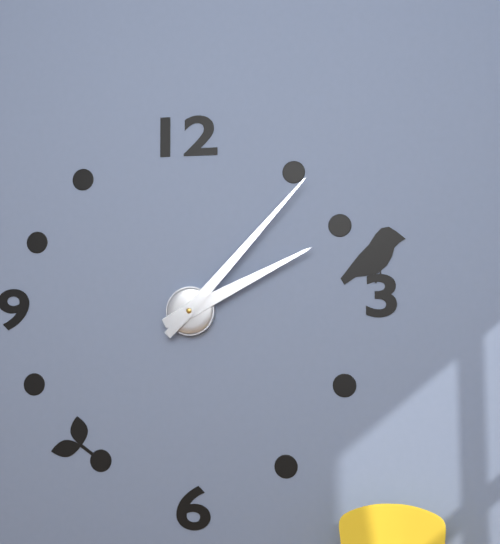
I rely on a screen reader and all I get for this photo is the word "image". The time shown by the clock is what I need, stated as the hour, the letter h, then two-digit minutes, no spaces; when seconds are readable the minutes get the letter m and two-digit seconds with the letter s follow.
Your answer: 2h07
